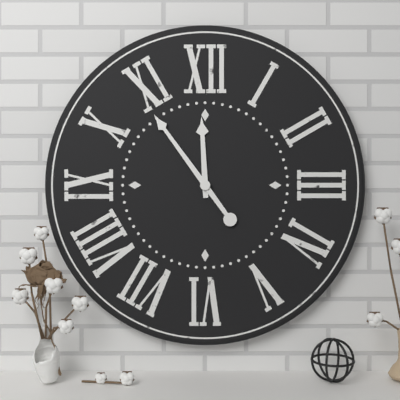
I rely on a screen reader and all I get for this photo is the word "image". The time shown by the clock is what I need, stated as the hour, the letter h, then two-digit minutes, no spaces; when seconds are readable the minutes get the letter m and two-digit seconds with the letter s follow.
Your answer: 11h54
